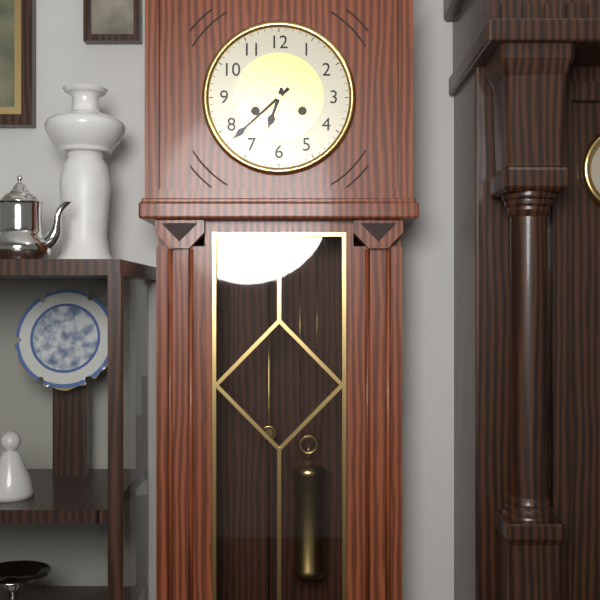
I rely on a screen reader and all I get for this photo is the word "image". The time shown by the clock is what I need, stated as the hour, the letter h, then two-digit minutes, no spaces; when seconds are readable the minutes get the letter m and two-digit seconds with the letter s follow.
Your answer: 6h38
